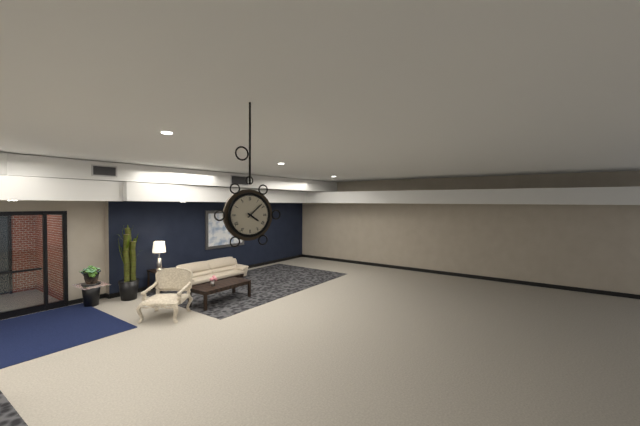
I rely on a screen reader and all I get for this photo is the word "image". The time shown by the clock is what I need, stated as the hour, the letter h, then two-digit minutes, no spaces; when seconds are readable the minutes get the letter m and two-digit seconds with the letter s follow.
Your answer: 4h08
